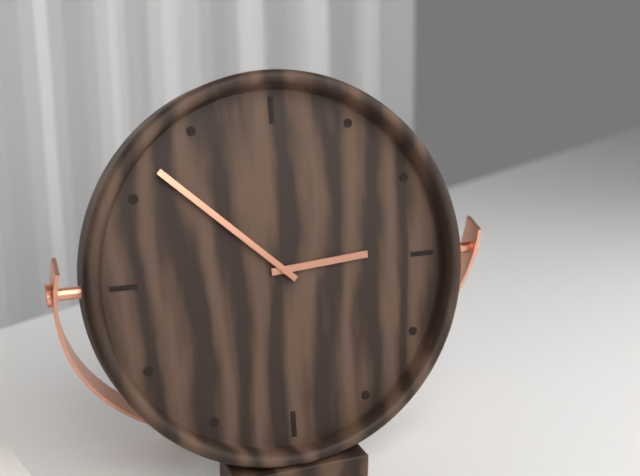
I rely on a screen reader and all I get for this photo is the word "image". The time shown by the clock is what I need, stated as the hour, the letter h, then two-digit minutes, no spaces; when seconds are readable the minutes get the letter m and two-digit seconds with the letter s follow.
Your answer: 2h52
